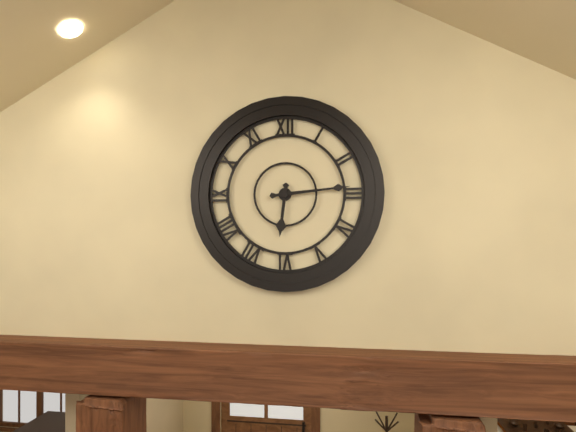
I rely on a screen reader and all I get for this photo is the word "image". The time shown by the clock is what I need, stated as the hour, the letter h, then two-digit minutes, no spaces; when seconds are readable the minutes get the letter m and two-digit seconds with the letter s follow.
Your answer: 6h14
